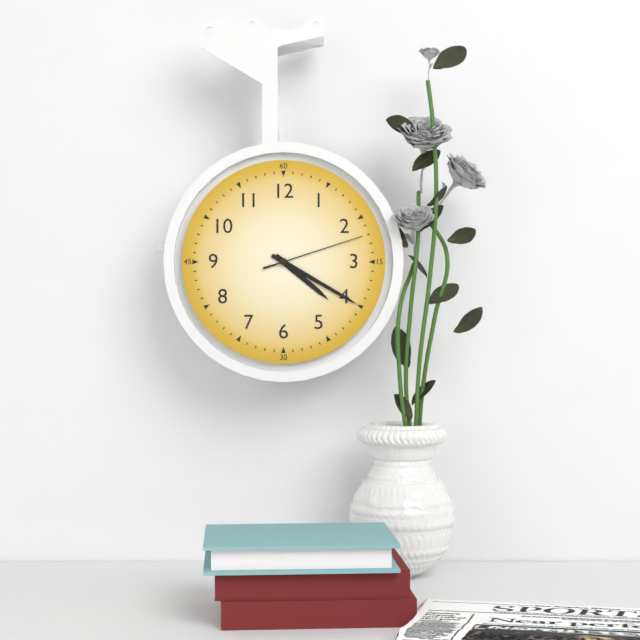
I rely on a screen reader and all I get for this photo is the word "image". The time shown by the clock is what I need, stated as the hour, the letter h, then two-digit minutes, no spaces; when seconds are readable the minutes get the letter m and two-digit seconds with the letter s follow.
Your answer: 4h20m12s
